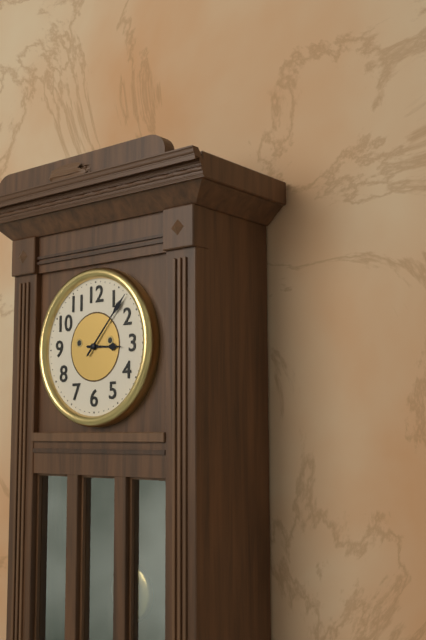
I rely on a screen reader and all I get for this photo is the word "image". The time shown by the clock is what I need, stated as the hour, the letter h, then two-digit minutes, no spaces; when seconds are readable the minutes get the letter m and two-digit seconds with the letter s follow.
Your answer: 3h07
